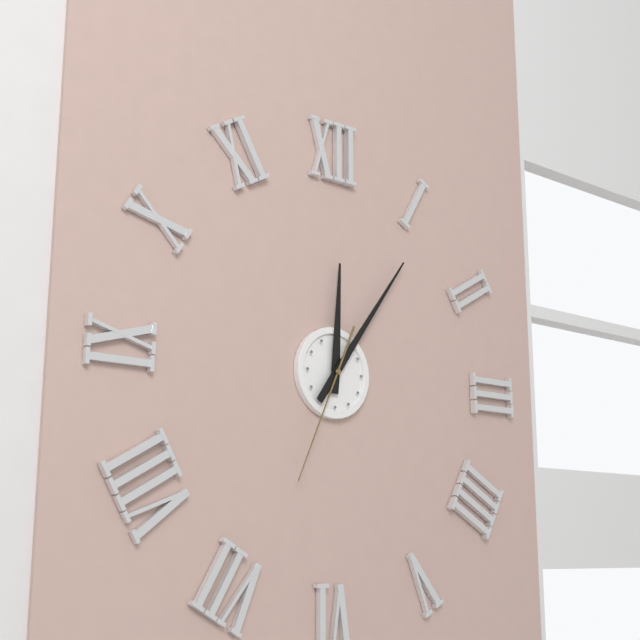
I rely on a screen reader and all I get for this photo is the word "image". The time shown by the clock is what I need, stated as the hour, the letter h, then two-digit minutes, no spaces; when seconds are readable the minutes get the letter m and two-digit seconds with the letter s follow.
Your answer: 12h06m34s
